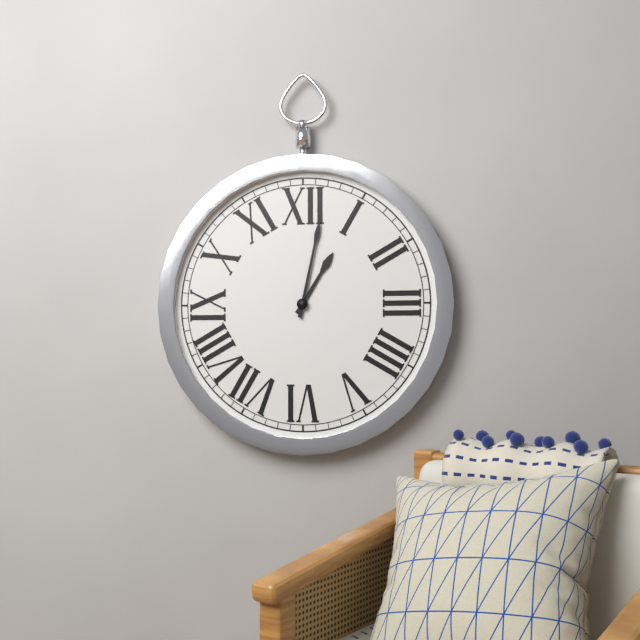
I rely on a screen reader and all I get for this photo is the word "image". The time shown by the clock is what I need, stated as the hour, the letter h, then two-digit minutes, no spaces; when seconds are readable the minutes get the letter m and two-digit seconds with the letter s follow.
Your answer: 1h02
